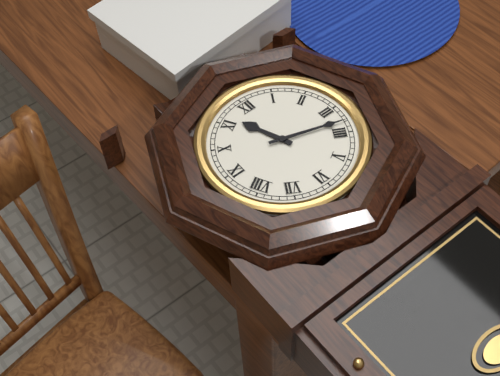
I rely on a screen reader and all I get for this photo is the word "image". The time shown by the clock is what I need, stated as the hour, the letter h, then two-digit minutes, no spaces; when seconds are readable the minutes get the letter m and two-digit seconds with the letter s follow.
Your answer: 11h18
